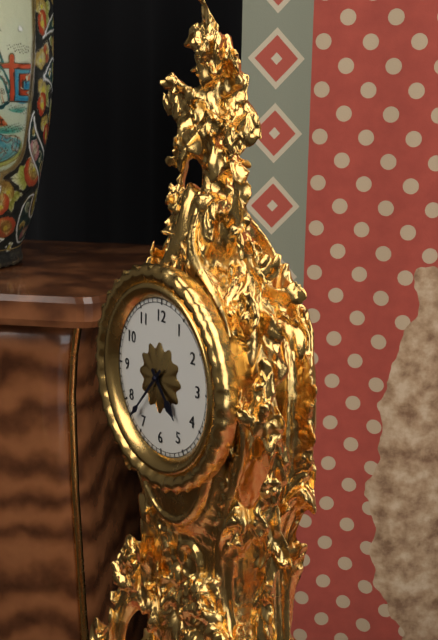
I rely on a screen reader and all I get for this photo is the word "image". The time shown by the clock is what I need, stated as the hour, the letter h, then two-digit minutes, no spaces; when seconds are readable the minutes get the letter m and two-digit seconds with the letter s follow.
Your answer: 4h37
